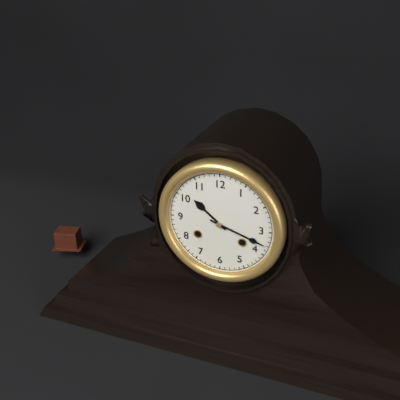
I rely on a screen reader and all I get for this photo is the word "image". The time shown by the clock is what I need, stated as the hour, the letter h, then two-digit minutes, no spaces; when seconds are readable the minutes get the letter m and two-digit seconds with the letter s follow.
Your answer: 10h18
